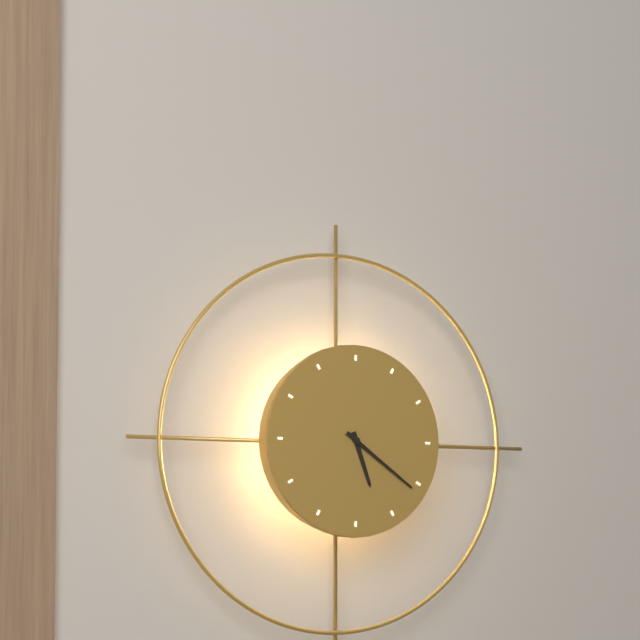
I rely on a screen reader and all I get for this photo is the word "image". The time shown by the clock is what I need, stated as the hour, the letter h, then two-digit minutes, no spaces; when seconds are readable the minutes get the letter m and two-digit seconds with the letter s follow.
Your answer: 5h21
